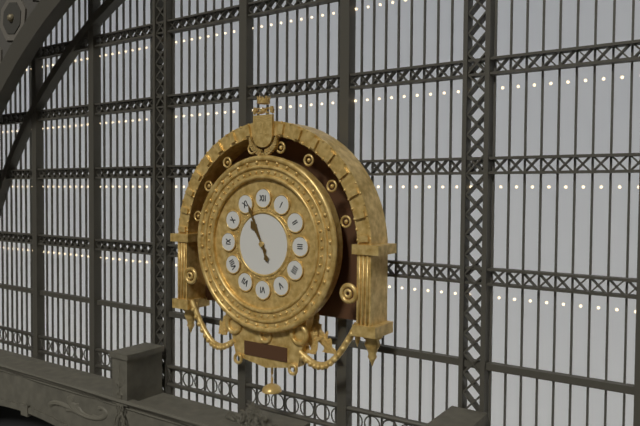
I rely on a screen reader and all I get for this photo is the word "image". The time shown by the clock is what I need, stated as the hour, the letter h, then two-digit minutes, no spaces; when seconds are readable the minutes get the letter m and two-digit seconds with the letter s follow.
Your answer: 10h56
